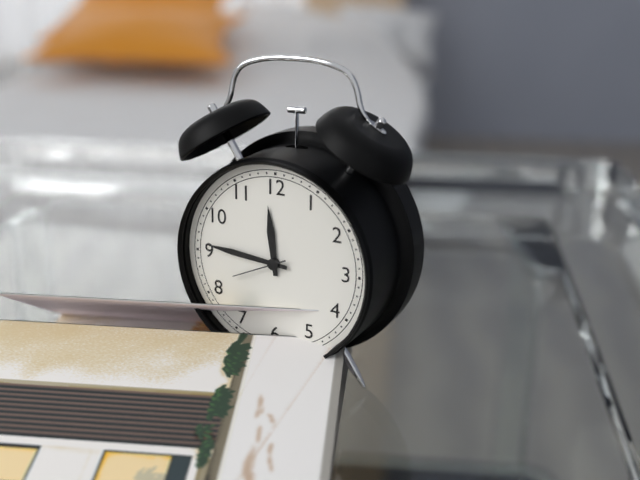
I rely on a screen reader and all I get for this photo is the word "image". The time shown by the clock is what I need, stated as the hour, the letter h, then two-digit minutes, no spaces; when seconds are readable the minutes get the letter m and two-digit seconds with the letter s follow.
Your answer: 11h46m41s
